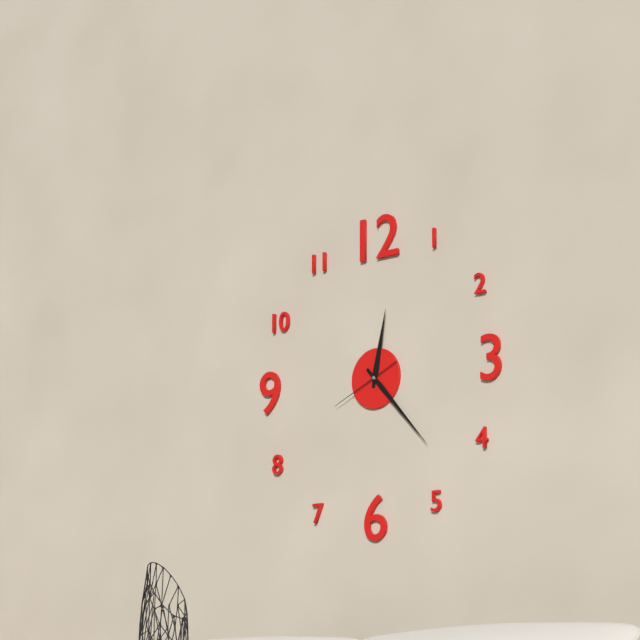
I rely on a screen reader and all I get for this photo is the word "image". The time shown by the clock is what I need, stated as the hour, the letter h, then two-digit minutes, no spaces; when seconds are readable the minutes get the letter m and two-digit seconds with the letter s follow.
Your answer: 12h23m41s
